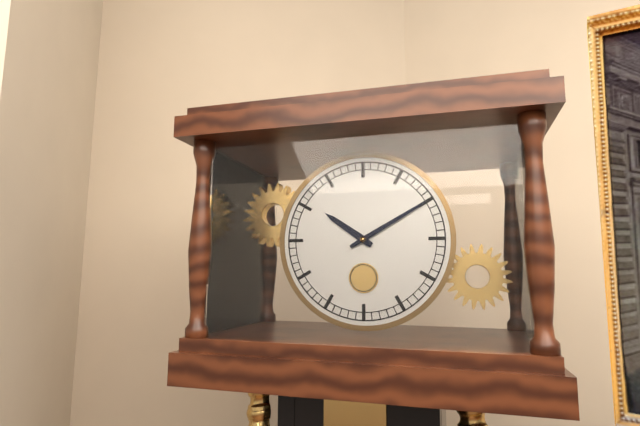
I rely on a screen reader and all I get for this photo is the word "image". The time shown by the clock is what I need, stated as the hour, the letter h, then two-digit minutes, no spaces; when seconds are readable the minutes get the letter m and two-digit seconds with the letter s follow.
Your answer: 10h10
